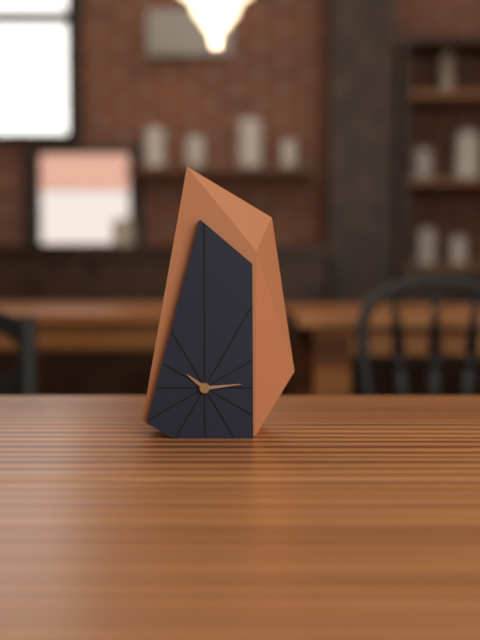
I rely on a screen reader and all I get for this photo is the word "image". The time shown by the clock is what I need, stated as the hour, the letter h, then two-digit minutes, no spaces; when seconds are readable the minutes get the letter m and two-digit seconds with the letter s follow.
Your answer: 10h14
